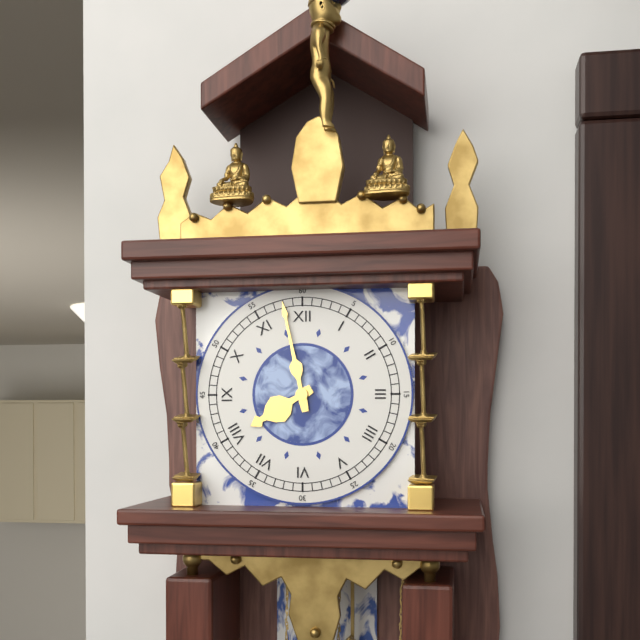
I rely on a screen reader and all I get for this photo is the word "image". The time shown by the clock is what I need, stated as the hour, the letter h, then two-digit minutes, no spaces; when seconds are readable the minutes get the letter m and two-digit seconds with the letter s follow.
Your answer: 7h58
